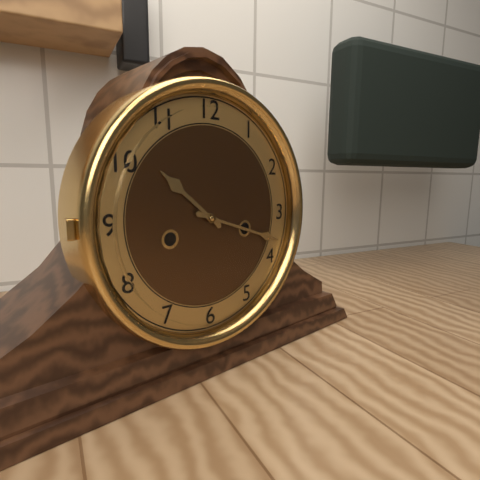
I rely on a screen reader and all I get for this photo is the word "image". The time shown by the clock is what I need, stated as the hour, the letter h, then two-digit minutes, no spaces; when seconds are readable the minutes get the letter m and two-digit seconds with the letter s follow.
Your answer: 10h18
